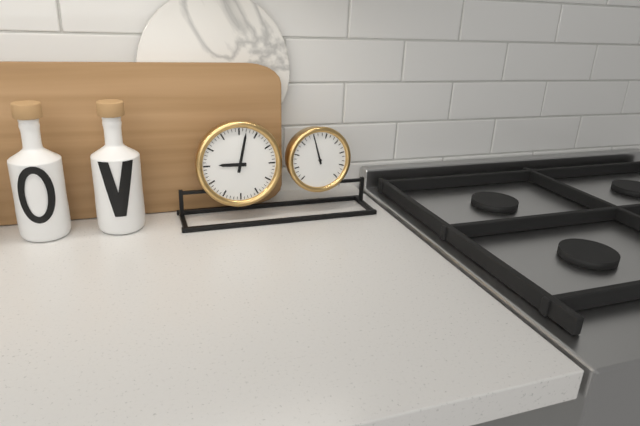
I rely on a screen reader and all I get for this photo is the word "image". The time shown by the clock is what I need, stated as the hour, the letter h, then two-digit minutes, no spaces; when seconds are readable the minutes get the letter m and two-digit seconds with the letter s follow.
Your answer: 9h02
